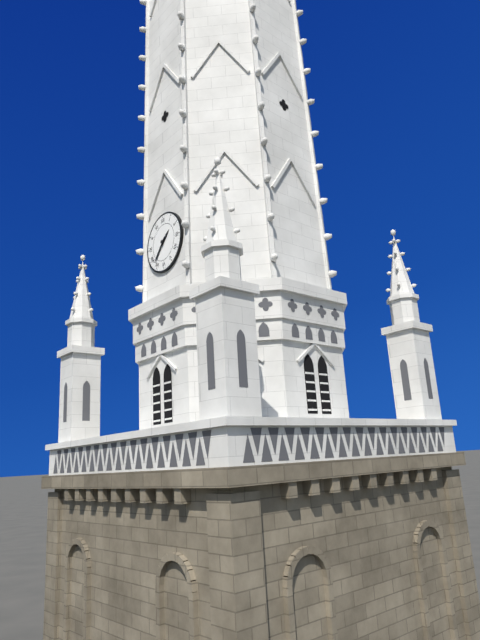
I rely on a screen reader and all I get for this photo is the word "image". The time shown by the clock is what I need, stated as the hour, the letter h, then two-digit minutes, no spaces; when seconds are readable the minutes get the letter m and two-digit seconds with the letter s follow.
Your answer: 1h37
